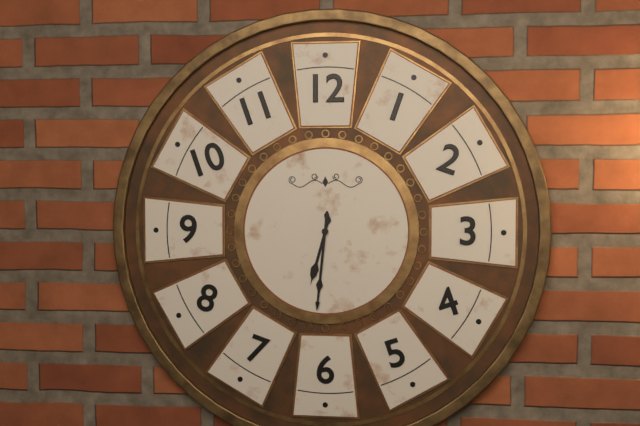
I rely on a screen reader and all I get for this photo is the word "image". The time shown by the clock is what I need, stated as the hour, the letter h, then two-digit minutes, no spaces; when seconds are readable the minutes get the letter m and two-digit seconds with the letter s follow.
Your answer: 6h31
